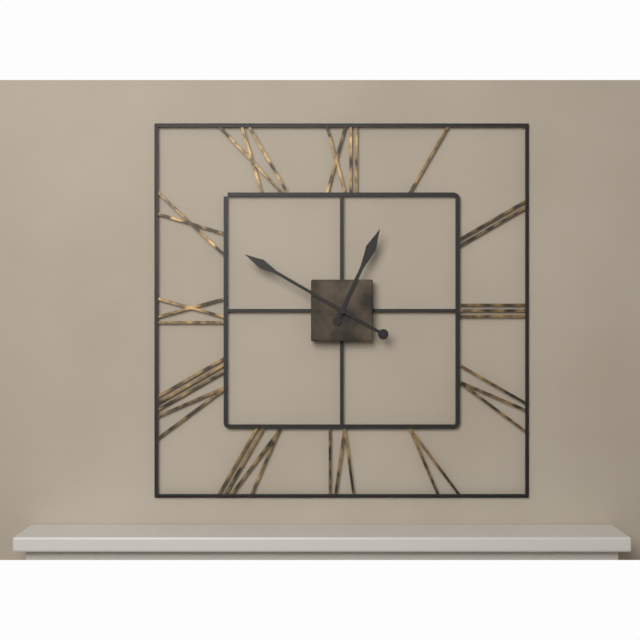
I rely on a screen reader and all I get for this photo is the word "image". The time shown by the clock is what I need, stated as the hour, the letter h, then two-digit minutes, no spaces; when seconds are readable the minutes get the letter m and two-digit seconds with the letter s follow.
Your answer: 12h50
